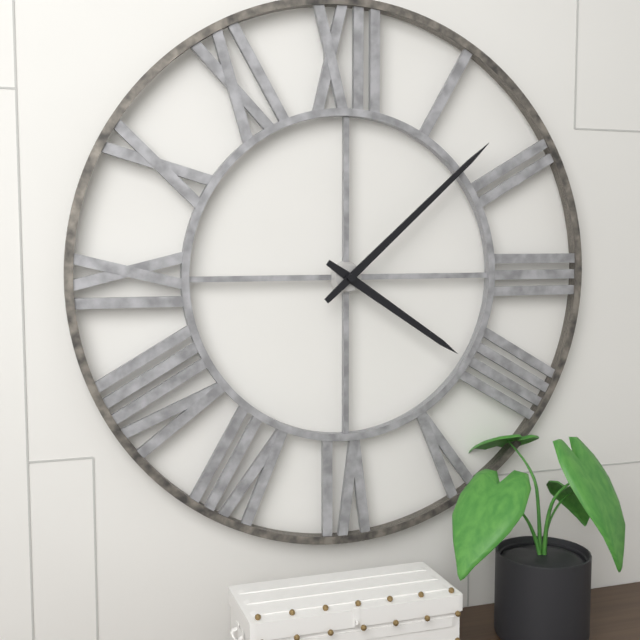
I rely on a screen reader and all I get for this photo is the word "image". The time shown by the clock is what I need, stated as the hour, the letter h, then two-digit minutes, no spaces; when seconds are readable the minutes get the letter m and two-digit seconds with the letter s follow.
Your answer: 4h08
